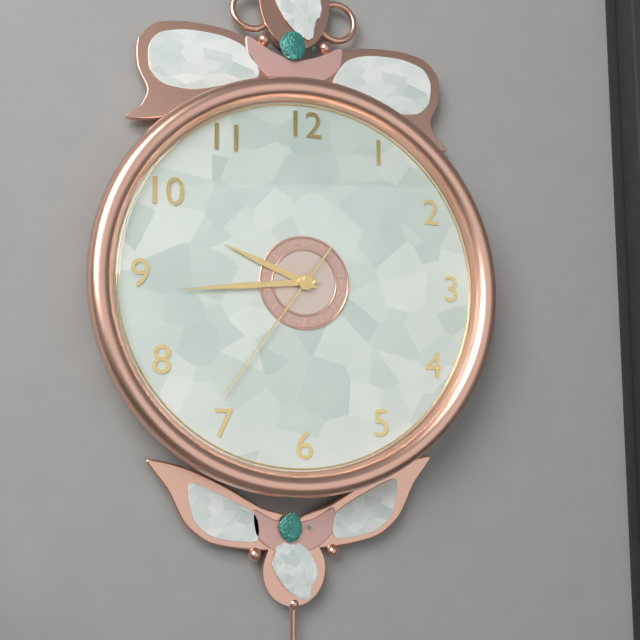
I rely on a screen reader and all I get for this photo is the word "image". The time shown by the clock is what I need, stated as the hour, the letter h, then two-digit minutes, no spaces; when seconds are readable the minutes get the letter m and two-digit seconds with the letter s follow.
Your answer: 9h44m36s
